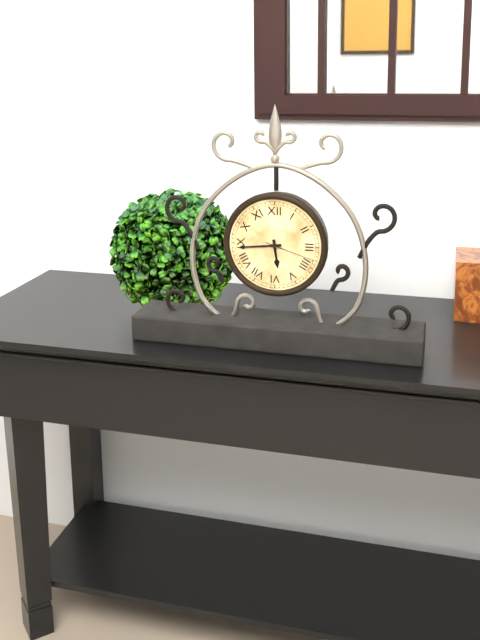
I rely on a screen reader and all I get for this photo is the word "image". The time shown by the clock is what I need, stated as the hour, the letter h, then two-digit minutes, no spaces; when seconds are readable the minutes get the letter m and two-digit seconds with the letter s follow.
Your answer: 5h44m18s
